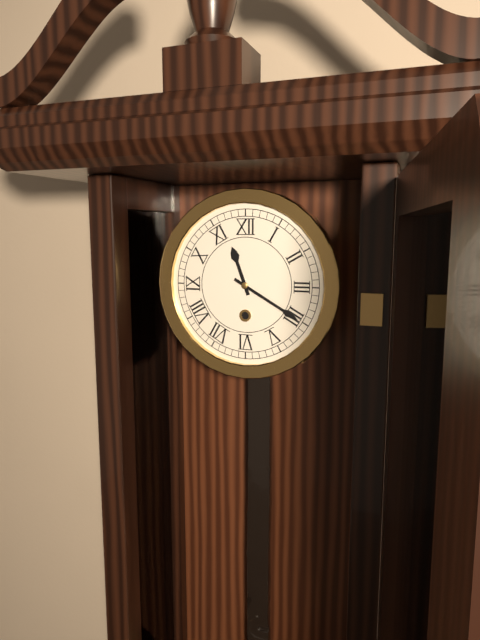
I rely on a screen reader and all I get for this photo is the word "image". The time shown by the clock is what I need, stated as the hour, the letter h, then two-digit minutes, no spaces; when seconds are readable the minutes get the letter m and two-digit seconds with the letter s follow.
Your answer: 11h20
